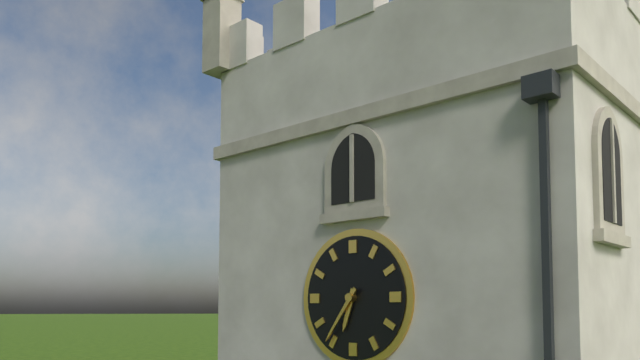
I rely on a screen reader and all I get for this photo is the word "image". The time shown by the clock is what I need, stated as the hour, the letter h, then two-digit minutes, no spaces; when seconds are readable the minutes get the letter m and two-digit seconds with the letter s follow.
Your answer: 6h36
